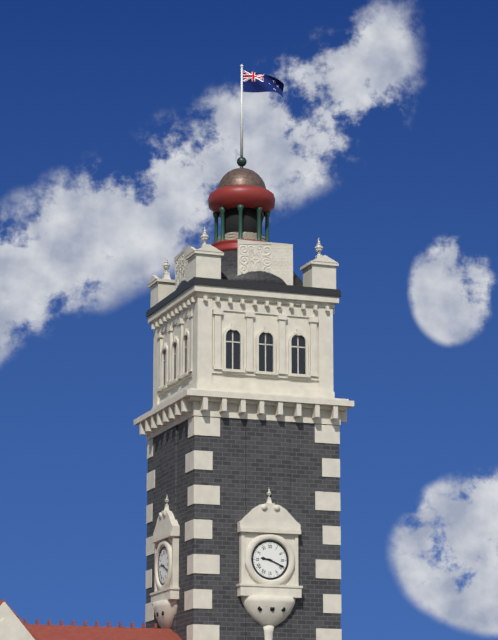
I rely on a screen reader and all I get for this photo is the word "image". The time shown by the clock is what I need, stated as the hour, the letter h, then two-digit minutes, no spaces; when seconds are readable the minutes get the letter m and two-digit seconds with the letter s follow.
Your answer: 9h19
